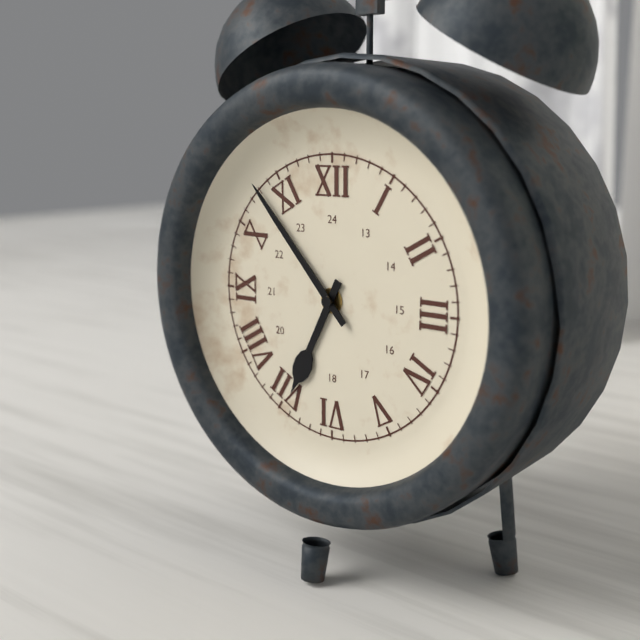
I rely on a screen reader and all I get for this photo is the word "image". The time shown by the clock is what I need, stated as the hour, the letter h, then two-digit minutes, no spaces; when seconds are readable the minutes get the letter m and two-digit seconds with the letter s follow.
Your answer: 6h53
